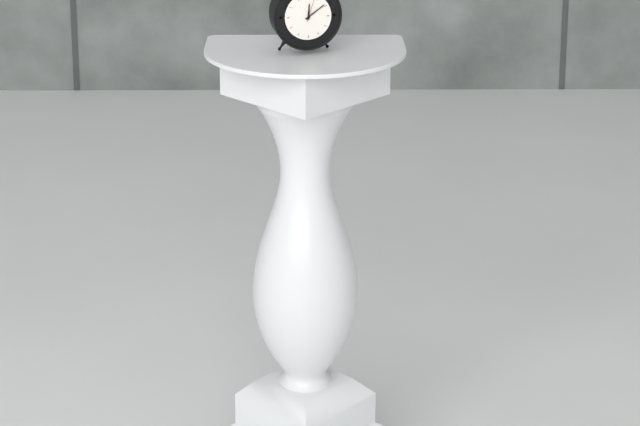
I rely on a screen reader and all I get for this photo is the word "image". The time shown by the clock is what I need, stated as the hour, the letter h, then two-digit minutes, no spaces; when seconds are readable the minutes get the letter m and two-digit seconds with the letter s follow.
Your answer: 12h09
